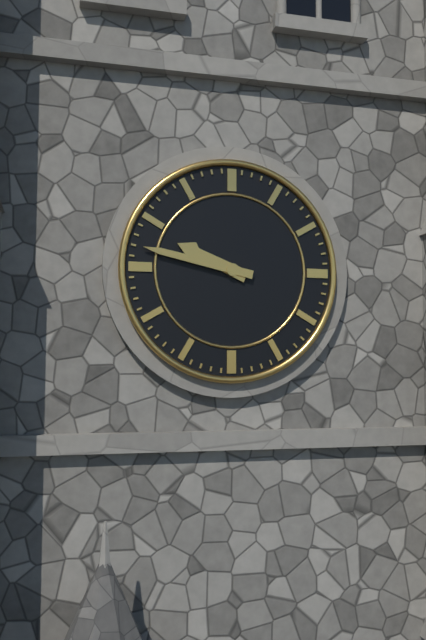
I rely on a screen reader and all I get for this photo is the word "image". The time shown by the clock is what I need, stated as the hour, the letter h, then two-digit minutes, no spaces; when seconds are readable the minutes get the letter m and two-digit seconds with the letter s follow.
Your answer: 9h47
